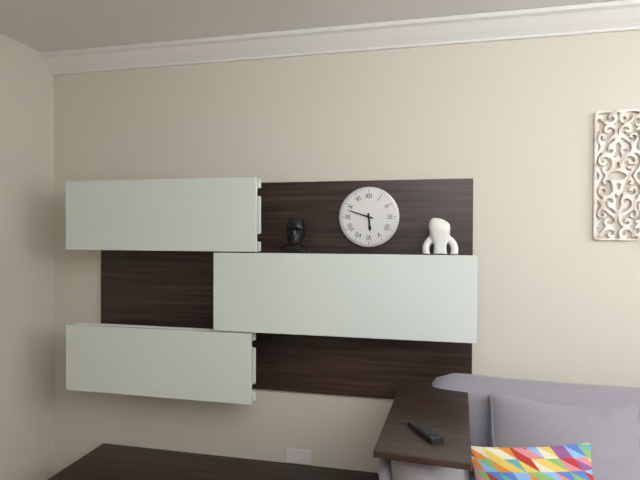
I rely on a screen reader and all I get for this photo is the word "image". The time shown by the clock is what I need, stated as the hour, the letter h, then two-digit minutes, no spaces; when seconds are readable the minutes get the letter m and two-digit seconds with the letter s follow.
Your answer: 5h48
